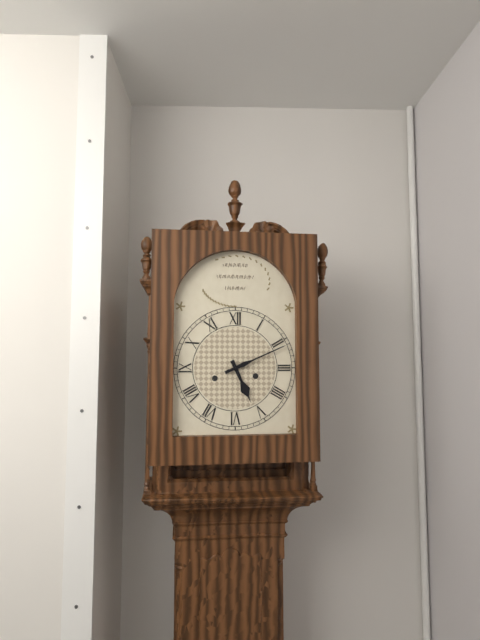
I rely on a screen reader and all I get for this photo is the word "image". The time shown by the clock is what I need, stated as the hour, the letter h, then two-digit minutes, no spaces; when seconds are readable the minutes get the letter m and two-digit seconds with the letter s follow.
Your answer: 5h11
